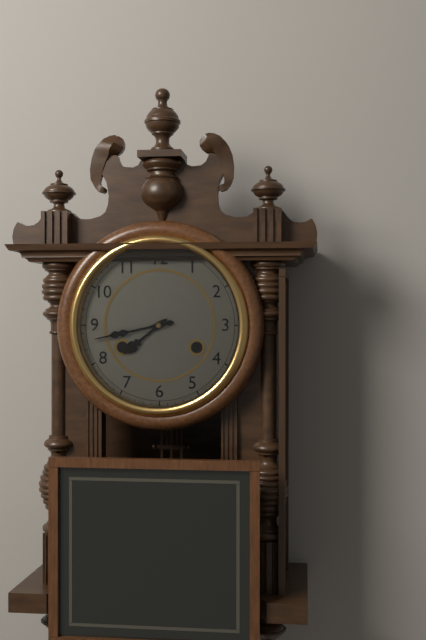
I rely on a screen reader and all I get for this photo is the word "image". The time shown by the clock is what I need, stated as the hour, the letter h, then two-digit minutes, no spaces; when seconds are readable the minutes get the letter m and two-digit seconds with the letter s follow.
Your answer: 7h43
